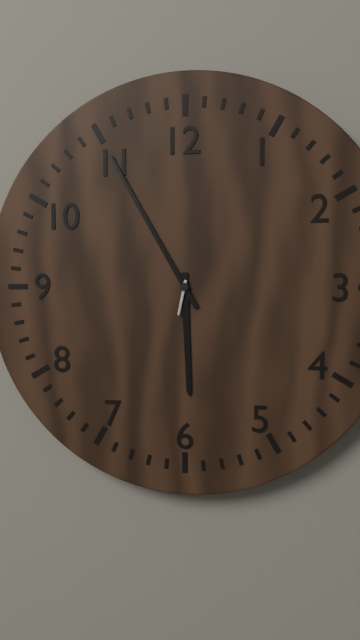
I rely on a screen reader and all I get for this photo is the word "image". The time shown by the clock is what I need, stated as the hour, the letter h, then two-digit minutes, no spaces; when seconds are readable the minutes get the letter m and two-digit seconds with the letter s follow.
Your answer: 5h55
